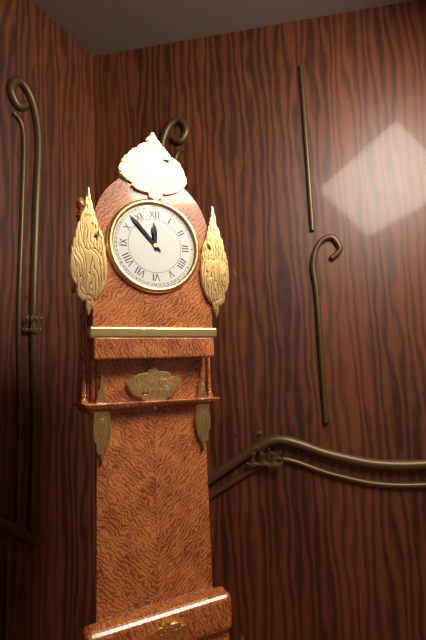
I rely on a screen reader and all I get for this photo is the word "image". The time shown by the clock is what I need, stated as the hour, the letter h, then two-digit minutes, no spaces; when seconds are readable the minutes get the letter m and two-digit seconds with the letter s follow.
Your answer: 11h53
